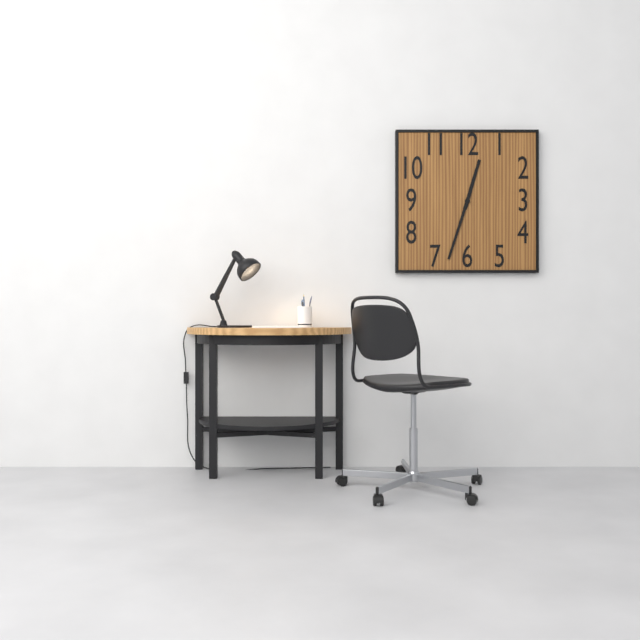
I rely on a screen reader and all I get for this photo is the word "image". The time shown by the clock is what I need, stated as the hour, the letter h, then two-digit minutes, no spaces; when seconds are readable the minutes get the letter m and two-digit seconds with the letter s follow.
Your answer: 12h33
